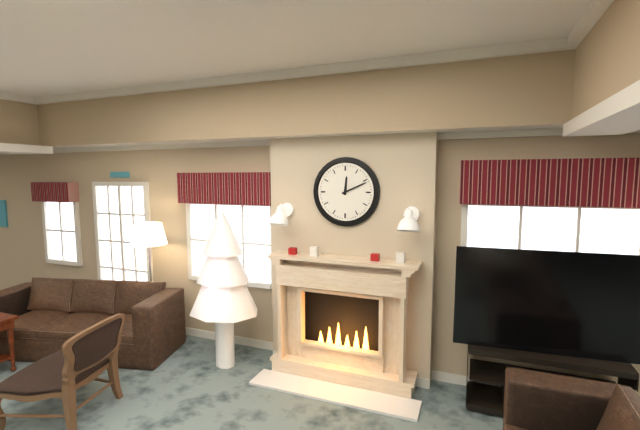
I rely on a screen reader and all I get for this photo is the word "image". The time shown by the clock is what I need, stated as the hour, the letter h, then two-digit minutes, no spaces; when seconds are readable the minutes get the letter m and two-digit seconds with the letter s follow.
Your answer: 12h11
